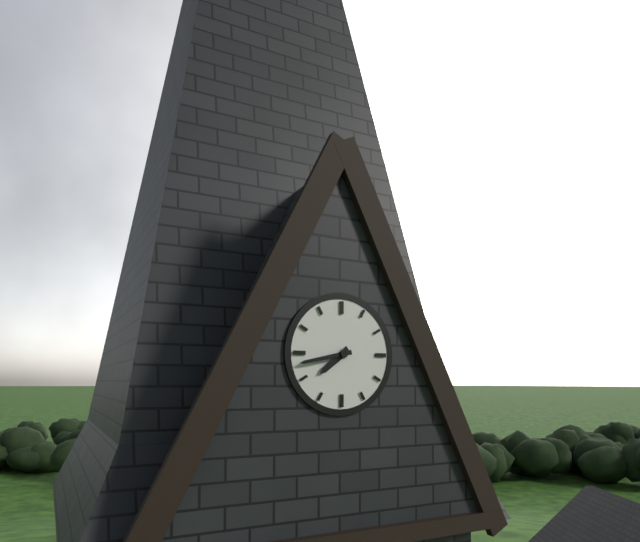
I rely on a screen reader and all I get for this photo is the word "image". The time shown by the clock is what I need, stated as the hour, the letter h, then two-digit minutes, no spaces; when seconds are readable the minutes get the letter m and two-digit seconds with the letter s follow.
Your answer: 7h43
